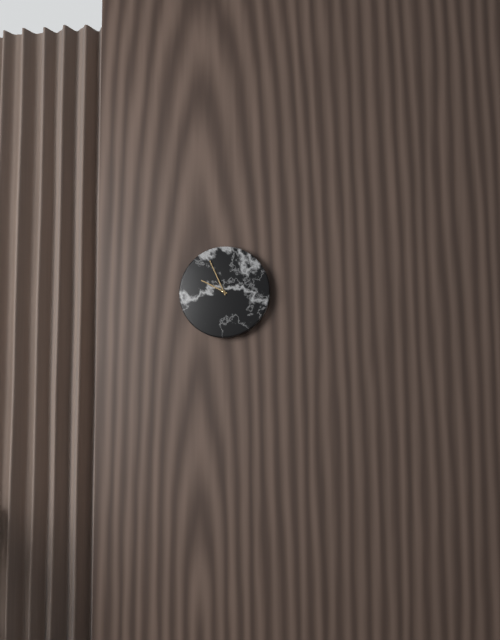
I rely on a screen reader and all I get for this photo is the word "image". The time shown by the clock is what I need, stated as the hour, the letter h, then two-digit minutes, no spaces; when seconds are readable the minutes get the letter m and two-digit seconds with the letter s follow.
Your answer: 9h56
